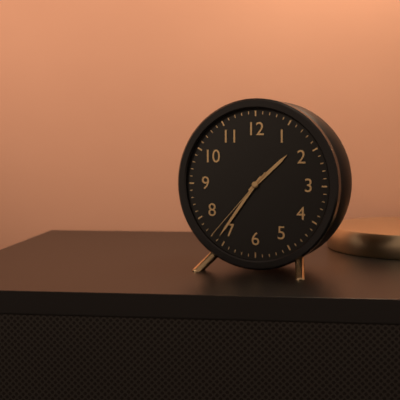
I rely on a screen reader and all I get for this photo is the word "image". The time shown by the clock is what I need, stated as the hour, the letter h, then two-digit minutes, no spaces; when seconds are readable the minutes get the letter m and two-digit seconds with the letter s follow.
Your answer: 1h36m37s
